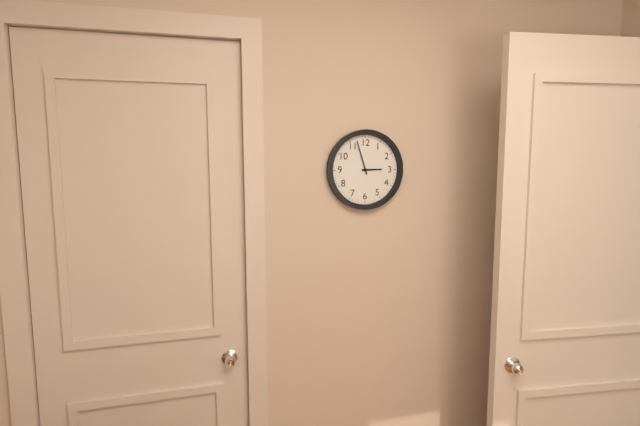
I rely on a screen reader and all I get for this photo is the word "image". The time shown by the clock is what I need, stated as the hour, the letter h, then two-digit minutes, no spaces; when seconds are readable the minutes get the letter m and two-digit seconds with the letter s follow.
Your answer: 2h57
